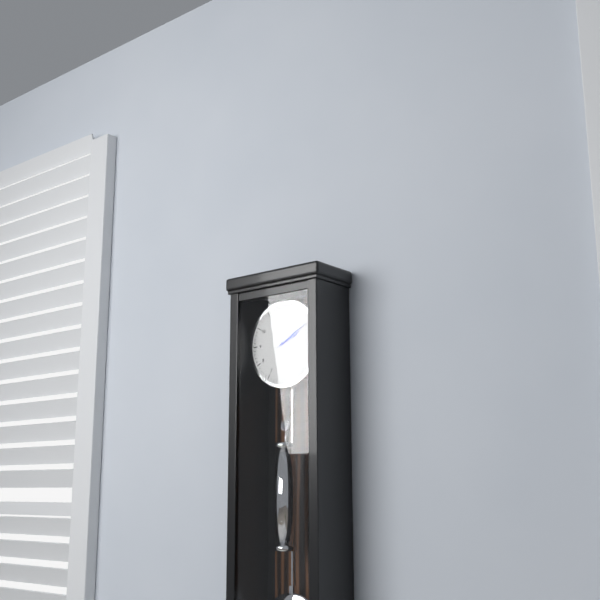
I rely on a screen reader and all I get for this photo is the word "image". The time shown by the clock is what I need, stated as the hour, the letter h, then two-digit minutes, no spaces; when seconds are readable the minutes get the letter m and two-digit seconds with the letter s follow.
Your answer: 2h10
